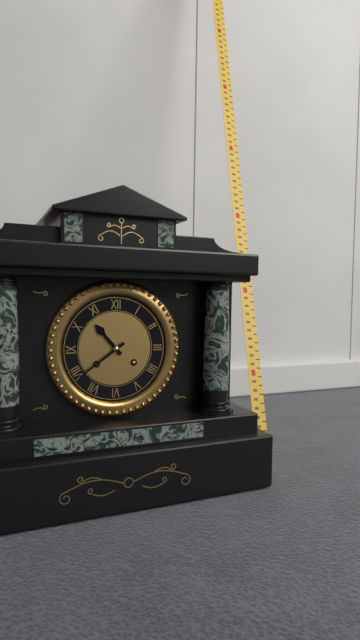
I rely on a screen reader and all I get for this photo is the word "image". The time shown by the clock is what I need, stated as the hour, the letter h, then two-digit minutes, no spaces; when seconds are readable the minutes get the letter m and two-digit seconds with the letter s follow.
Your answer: 10h39
